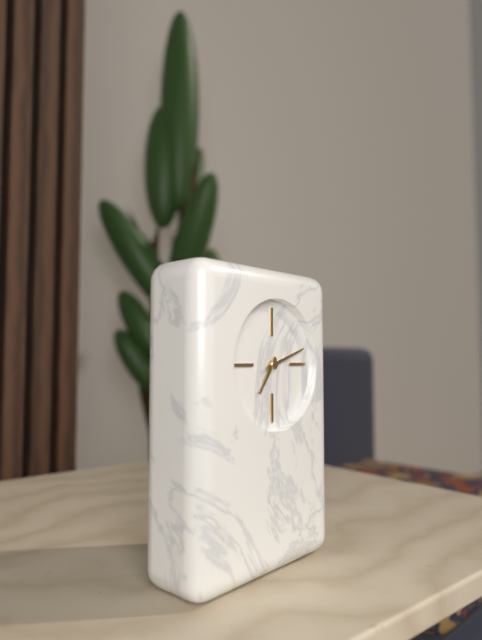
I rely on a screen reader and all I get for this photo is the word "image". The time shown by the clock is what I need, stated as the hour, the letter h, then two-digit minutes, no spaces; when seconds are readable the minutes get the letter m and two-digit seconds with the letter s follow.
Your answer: 7h12
